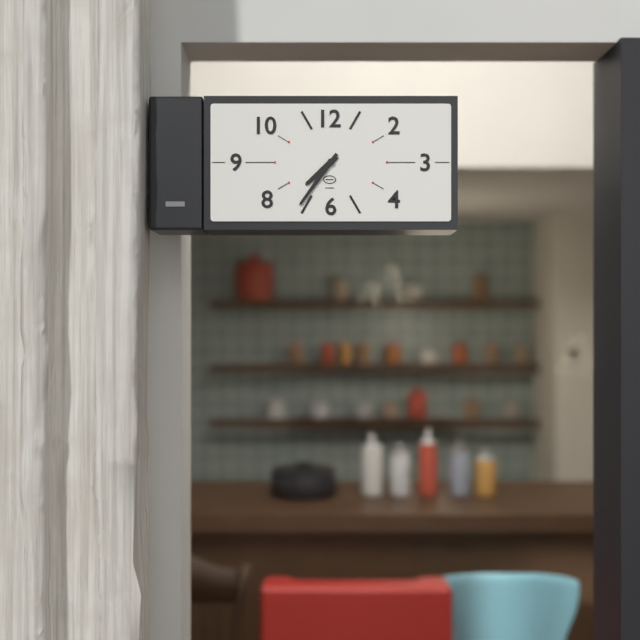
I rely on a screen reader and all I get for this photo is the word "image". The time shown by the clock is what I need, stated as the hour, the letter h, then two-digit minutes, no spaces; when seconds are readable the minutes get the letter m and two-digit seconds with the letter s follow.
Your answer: 7h36
